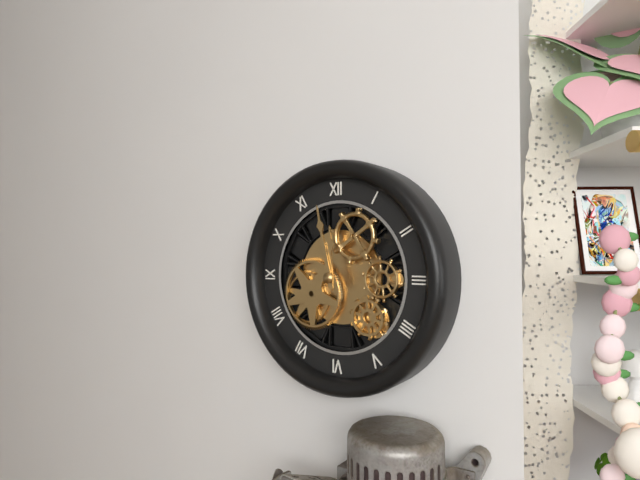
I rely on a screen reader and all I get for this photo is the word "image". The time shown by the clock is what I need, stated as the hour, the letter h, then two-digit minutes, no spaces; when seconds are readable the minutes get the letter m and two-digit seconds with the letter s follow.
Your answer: 11h58
